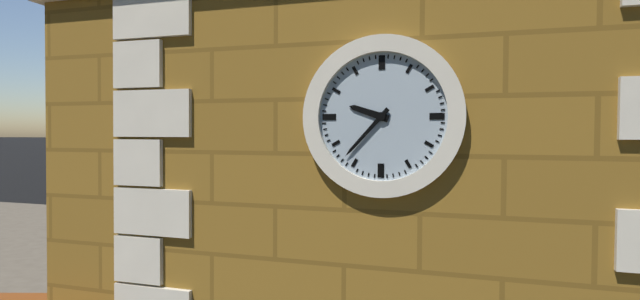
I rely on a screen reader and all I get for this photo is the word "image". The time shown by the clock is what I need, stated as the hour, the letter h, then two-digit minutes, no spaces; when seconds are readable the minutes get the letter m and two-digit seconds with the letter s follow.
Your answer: 9h37
